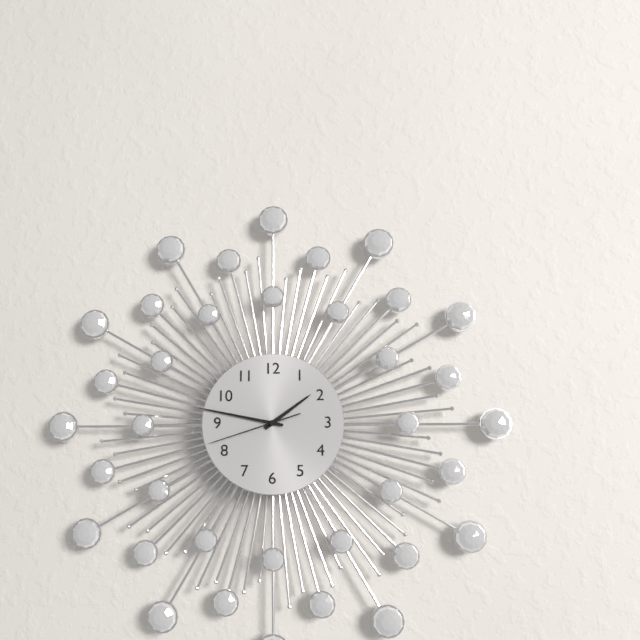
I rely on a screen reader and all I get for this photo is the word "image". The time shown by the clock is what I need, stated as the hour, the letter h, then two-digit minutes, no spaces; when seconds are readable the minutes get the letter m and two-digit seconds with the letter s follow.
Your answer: 1h47m42s
